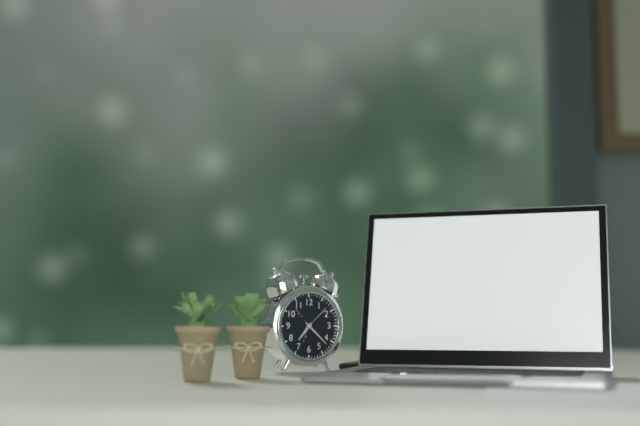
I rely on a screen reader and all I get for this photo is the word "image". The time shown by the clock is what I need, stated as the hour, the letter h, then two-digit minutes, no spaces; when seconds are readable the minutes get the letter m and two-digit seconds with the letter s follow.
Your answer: 7h22
